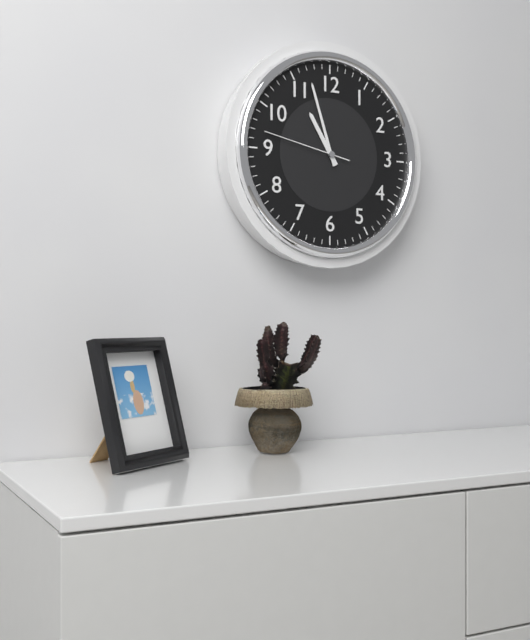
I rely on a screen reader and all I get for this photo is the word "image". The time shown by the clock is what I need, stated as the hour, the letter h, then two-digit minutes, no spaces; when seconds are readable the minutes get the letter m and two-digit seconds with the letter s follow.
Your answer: 10h57m47s
